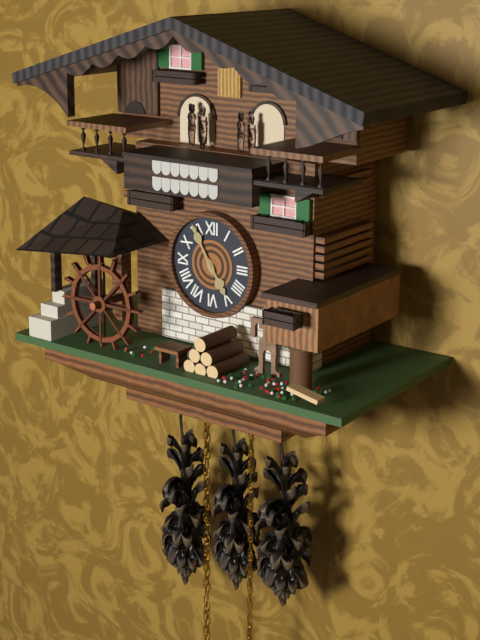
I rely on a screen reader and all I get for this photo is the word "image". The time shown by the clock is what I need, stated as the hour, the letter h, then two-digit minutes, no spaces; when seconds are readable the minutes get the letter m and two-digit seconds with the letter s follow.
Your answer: 4h55
